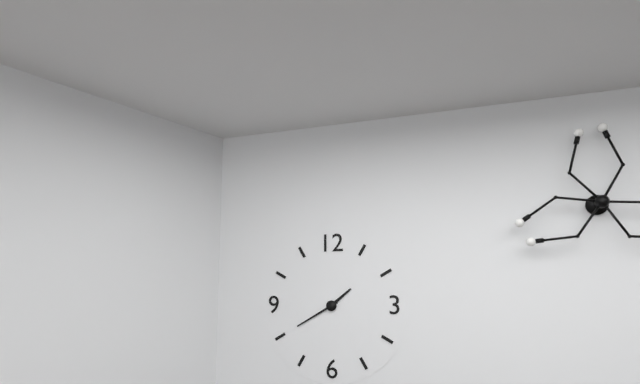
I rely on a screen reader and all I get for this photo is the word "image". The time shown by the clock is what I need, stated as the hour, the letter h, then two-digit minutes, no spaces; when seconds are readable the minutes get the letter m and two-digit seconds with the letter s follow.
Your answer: 1h40
